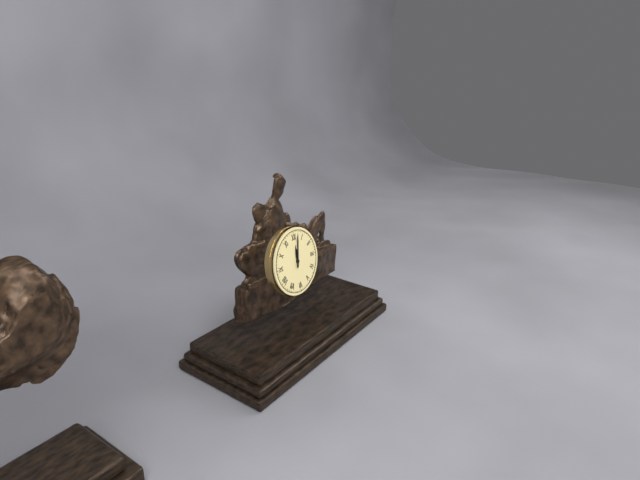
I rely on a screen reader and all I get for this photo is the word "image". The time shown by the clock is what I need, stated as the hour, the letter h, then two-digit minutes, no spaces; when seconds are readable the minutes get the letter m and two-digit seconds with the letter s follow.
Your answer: 12h02
